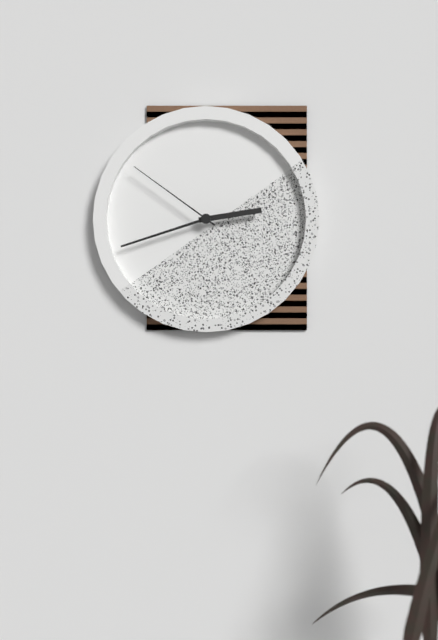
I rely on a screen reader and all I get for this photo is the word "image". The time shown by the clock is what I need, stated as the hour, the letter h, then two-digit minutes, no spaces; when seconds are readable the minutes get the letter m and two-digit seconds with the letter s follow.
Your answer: 2h42m51s
